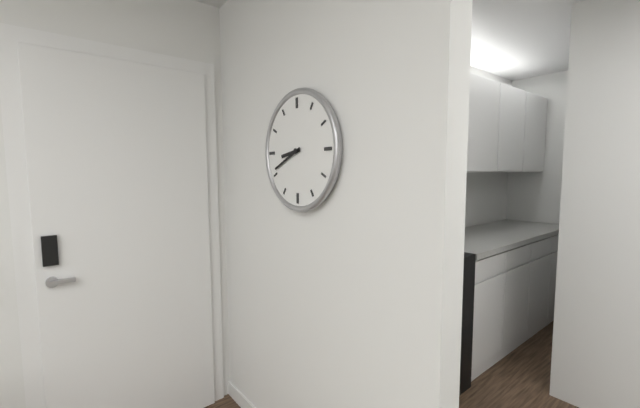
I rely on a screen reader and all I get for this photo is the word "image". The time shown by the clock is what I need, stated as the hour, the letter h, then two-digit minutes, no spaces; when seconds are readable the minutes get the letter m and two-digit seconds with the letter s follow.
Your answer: 8h41
